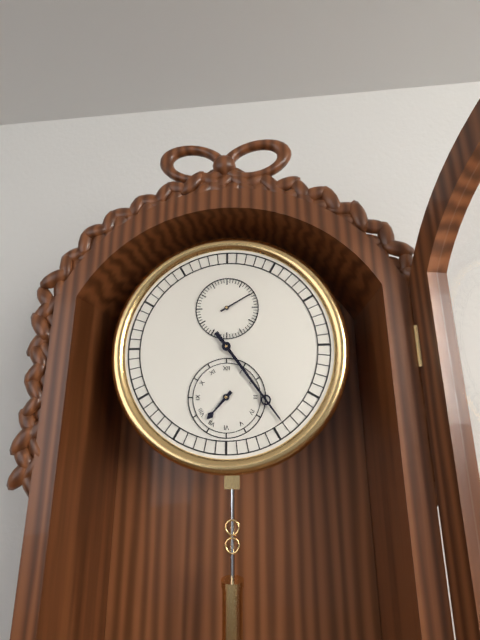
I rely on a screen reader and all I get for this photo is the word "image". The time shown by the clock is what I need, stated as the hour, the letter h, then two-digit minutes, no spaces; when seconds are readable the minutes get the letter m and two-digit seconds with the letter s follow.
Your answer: 7h24
